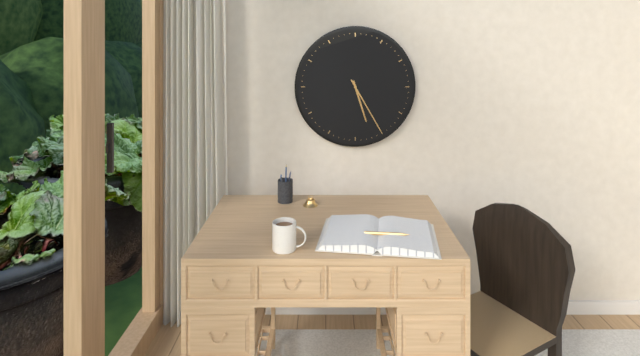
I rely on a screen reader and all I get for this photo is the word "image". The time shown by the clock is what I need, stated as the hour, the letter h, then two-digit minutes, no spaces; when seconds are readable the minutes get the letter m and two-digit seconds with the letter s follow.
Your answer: 5h25
